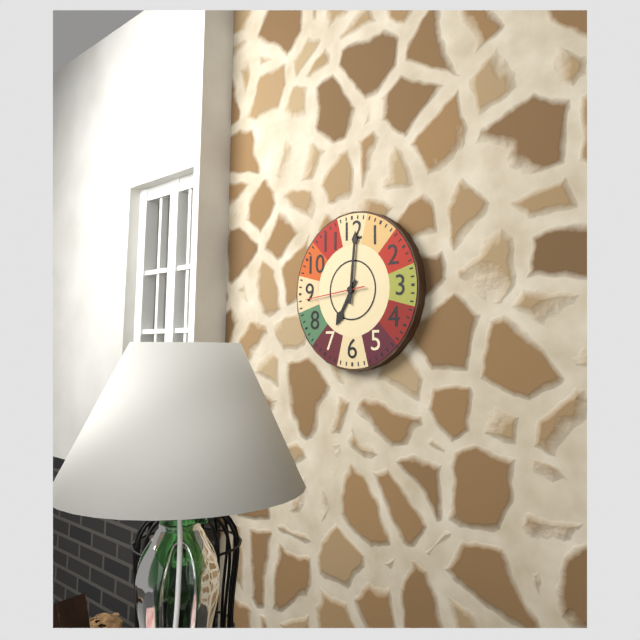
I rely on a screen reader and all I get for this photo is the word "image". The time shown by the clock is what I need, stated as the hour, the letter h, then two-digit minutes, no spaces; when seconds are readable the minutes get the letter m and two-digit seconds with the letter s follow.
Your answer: 7h01m44s
